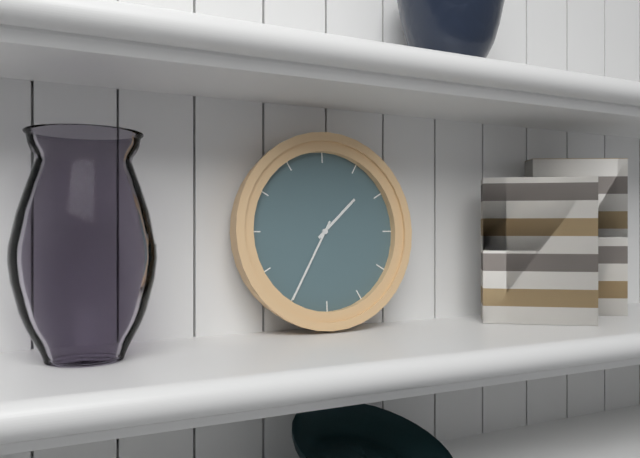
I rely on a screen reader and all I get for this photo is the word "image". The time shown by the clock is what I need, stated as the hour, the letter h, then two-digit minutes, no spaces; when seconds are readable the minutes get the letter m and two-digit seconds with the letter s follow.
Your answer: 1h35
